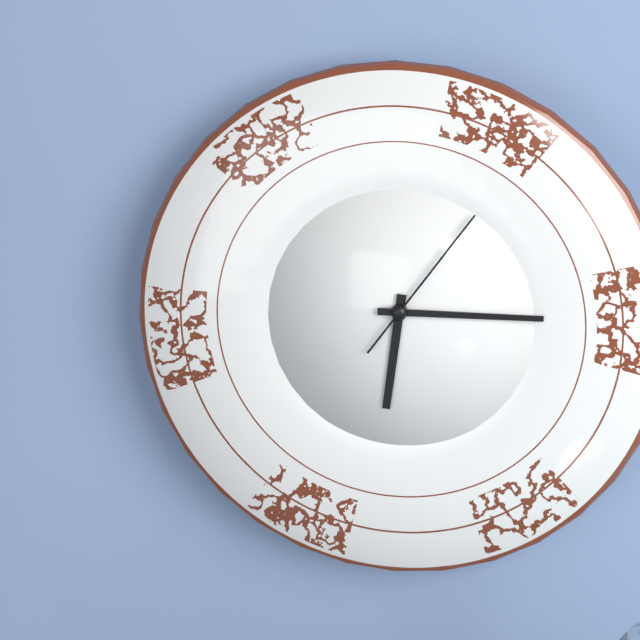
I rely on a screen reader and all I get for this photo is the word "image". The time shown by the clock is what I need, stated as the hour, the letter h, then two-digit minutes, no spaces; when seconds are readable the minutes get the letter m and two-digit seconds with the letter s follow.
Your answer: 6h15m06s
